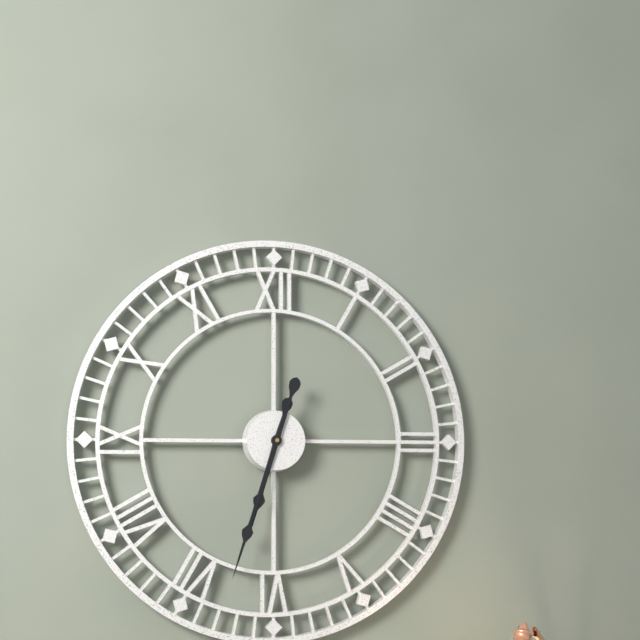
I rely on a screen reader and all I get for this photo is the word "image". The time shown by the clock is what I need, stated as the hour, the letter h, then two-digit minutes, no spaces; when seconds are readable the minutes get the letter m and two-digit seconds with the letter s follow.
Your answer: 6h33
